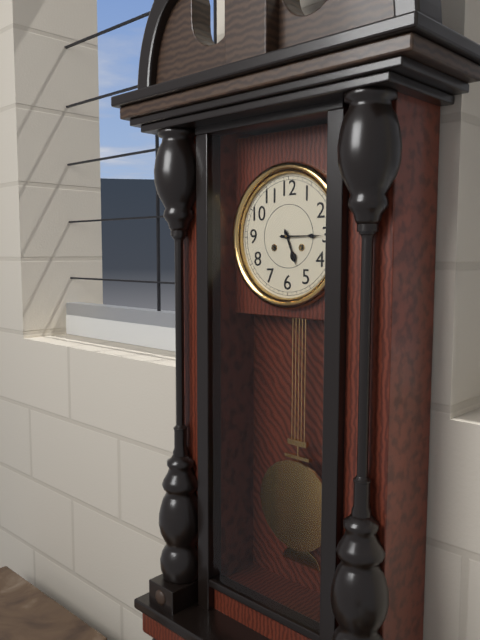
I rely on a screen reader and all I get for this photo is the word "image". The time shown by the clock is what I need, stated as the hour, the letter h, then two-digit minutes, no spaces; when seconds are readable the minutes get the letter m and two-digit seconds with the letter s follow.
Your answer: 5h15
